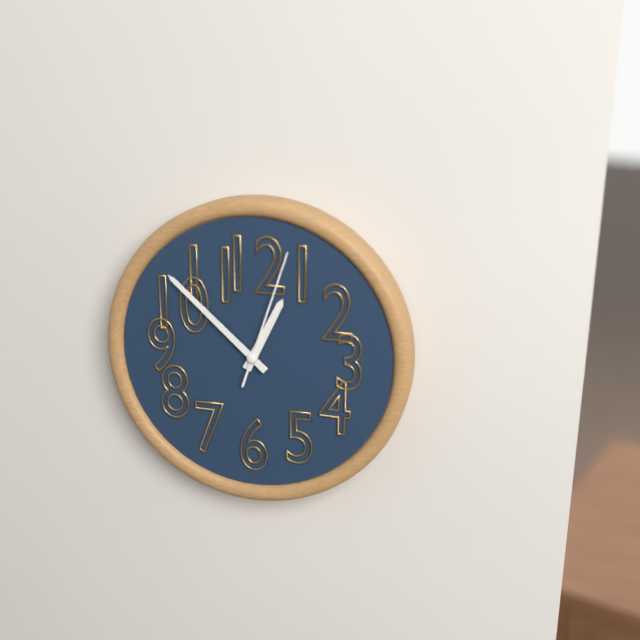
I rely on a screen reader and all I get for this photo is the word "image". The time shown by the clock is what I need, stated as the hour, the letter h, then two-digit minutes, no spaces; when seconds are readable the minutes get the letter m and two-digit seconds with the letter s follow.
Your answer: 12h52m03s
